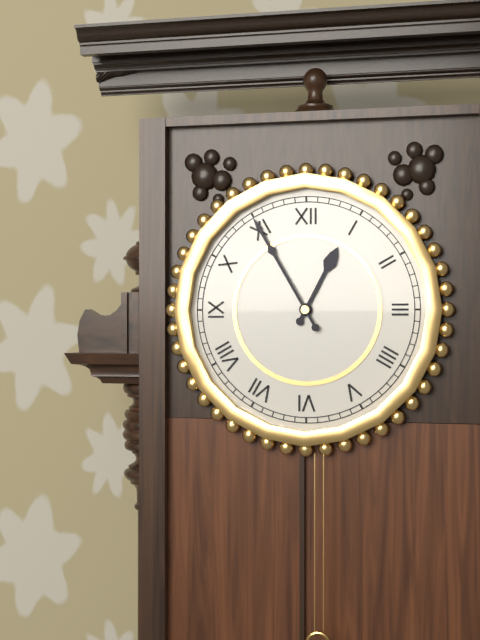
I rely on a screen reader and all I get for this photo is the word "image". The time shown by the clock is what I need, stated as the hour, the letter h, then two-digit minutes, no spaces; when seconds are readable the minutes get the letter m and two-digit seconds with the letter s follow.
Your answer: 12h55
